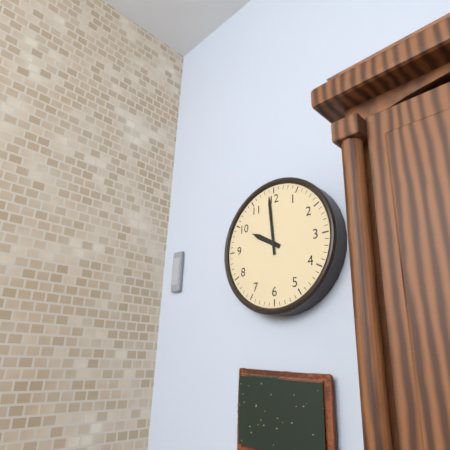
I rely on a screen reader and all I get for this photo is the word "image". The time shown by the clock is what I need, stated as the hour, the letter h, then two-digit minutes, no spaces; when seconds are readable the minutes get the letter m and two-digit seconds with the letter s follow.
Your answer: 9h59
